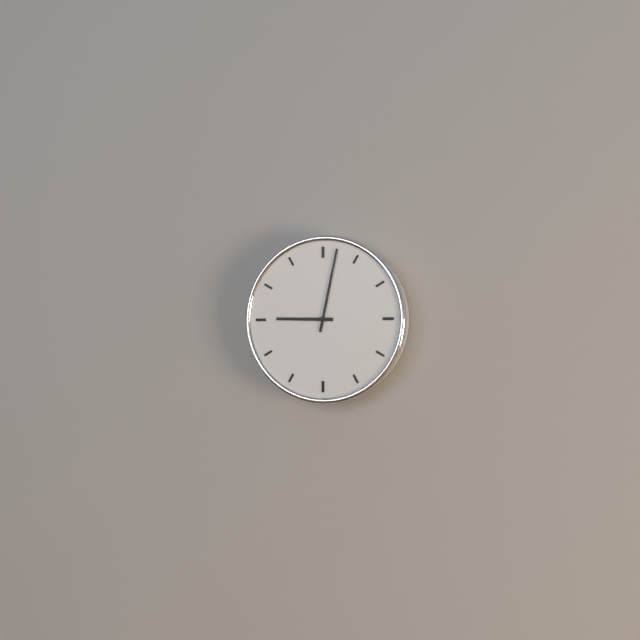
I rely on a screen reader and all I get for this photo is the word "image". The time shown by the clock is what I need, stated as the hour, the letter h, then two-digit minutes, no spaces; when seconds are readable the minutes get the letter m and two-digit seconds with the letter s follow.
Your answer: 9h02
